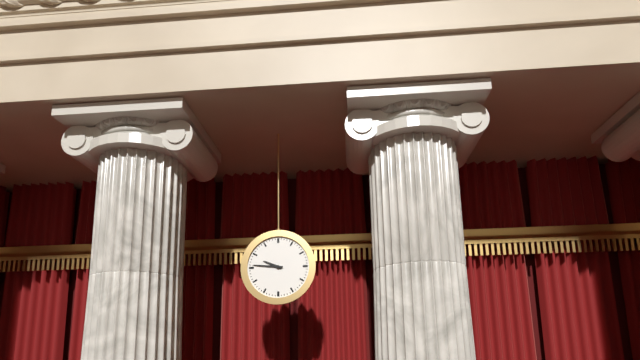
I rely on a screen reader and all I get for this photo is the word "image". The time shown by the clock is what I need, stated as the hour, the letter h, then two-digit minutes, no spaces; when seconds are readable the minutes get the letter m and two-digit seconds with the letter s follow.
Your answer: 9h46
